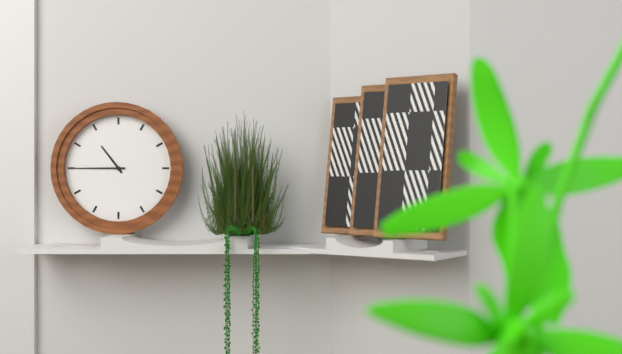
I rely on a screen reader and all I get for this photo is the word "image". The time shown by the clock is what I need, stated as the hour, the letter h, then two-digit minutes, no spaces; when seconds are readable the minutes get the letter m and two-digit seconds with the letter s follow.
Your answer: 10h45
